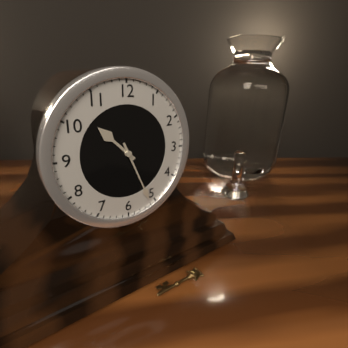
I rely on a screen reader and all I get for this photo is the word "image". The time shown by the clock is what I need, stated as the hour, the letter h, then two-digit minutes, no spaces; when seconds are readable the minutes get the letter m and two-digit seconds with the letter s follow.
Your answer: 10h26
